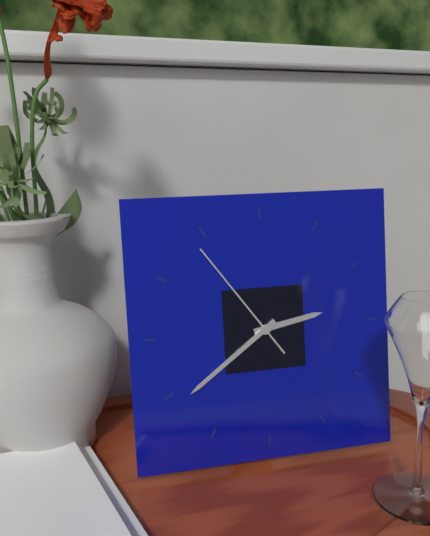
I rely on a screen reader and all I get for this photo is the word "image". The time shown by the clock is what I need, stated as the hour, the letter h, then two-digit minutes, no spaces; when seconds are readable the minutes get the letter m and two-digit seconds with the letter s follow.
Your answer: 2h39m54s
